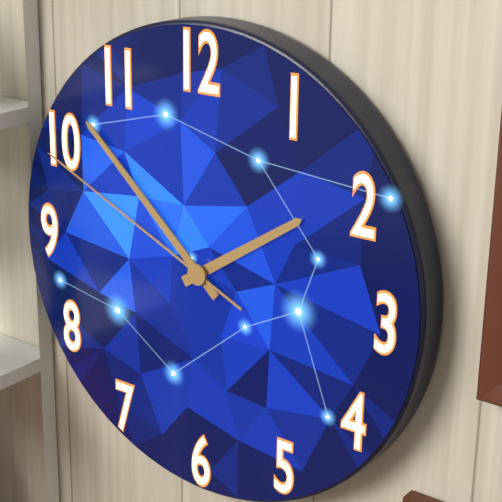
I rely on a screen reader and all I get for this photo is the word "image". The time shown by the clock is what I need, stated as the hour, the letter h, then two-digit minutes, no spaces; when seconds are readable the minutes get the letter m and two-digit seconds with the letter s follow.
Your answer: 1h52m49s
